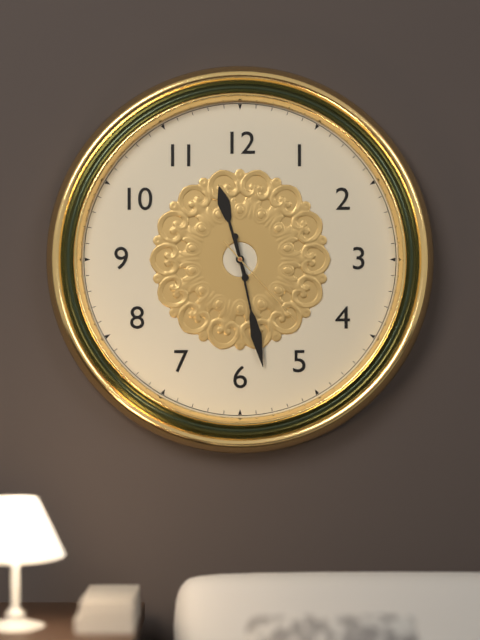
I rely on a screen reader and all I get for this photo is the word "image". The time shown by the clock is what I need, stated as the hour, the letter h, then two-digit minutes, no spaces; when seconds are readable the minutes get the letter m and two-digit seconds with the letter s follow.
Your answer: 11h28m23s
